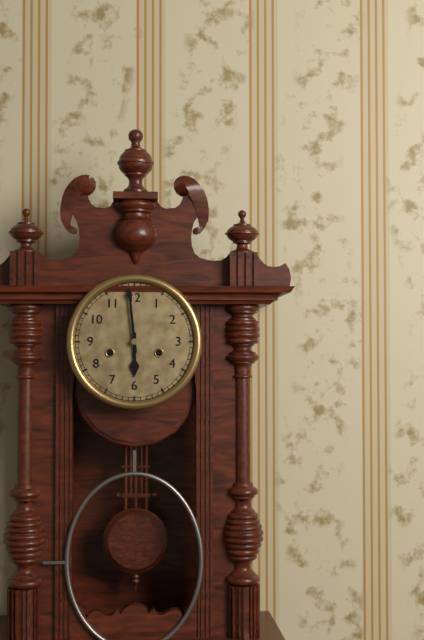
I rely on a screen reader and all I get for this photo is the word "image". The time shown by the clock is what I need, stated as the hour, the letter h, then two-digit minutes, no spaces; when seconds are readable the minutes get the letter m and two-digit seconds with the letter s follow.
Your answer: 5h59
